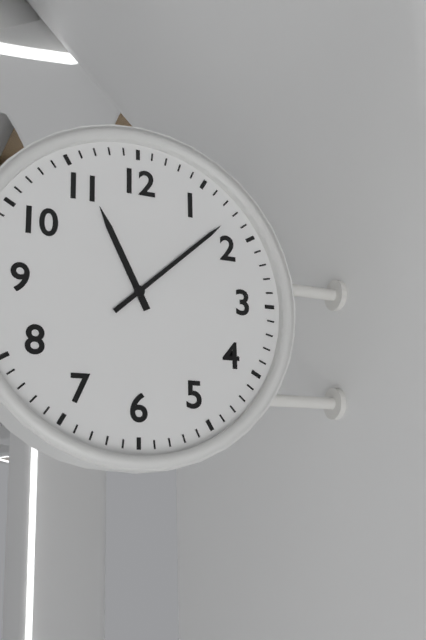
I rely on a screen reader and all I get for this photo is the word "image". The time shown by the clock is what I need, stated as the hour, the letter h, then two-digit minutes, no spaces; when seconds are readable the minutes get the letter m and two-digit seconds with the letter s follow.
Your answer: 11h08
